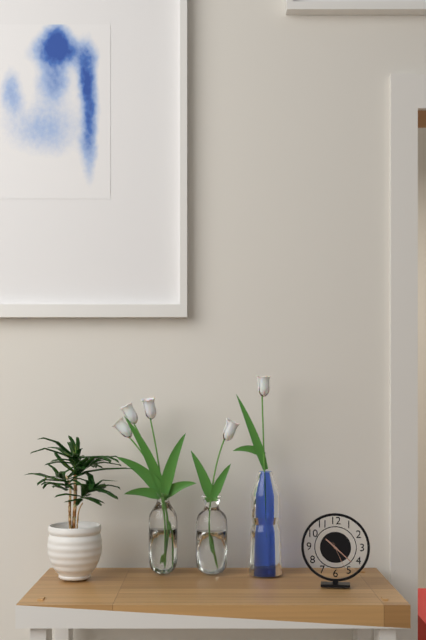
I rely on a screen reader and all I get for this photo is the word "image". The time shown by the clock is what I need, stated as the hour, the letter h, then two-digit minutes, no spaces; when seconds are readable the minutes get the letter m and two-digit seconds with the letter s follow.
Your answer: 10h22
